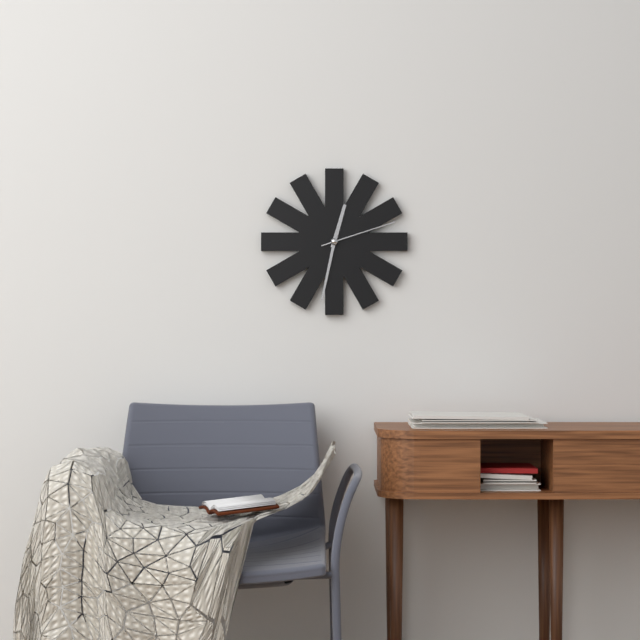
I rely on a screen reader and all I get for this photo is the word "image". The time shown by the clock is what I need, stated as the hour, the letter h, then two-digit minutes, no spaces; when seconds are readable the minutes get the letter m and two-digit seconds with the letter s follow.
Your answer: 12h32m12s
